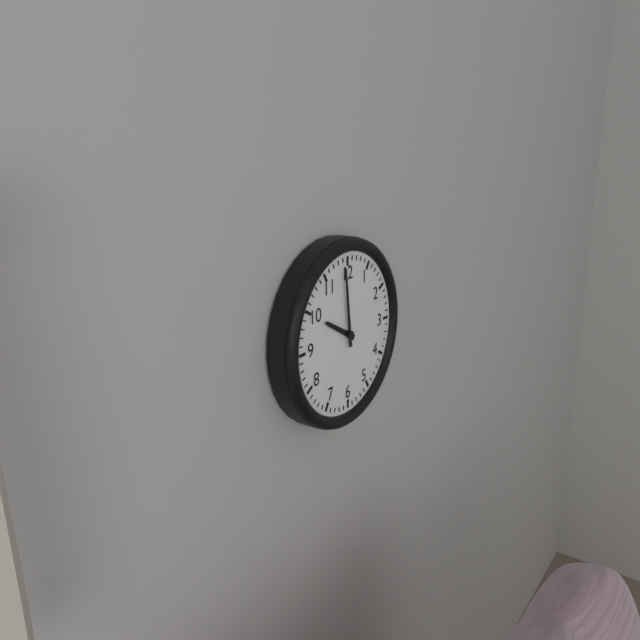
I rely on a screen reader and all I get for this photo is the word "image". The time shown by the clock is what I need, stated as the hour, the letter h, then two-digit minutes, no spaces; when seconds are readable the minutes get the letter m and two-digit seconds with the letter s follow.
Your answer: 9h59
